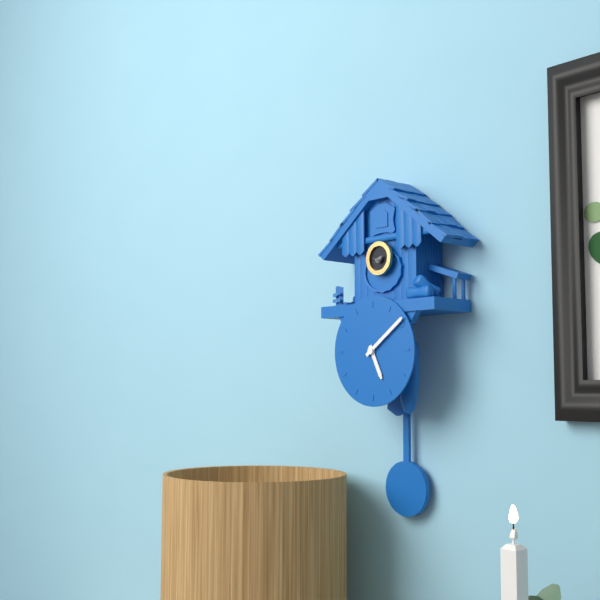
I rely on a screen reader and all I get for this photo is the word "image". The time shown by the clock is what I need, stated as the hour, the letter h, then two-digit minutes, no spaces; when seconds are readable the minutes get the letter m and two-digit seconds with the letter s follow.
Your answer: 5h09
